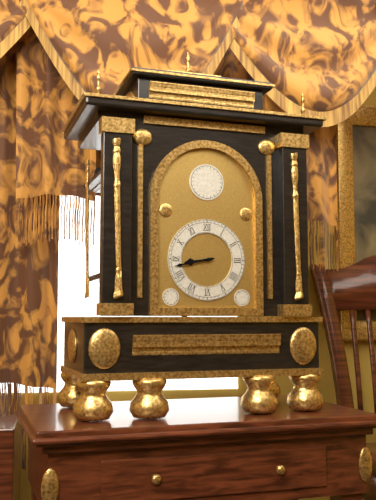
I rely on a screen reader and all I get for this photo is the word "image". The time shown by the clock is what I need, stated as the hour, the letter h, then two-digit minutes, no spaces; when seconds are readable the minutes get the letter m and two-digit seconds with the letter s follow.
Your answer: 8h43
